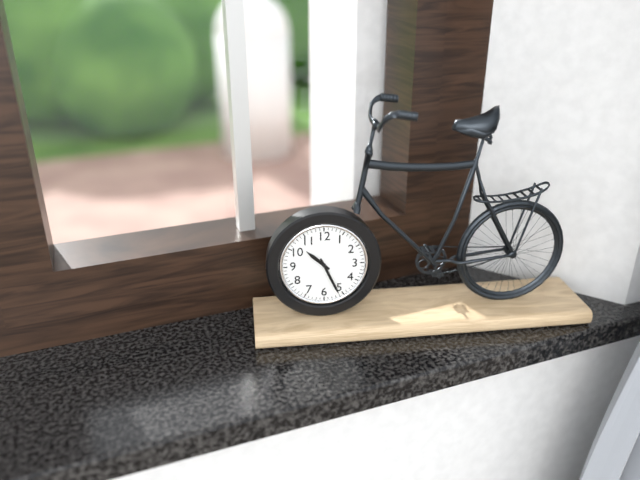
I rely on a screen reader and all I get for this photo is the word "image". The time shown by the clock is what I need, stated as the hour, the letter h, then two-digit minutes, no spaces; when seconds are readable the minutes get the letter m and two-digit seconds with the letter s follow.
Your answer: 10h26
